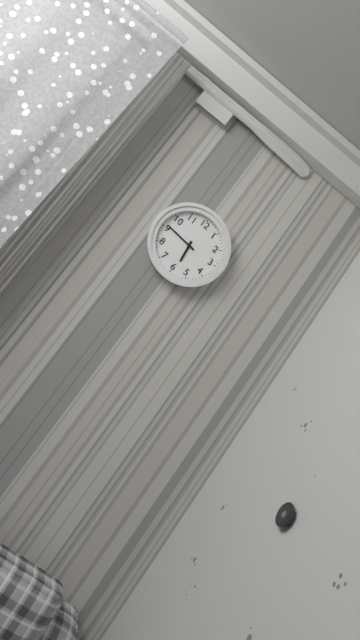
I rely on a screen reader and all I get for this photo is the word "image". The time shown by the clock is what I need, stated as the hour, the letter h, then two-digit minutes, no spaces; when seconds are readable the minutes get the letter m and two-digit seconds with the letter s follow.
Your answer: 5h46
